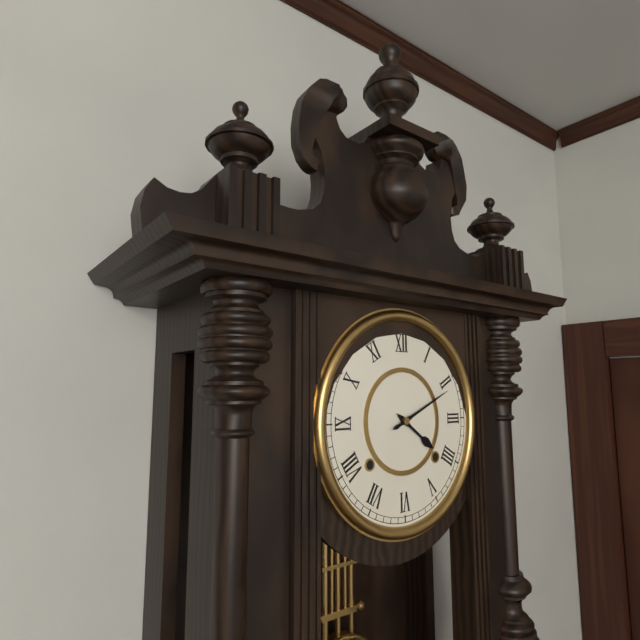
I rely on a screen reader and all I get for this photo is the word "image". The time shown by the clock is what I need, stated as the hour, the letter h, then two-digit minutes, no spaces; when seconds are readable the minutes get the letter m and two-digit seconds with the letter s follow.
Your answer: 4h11
